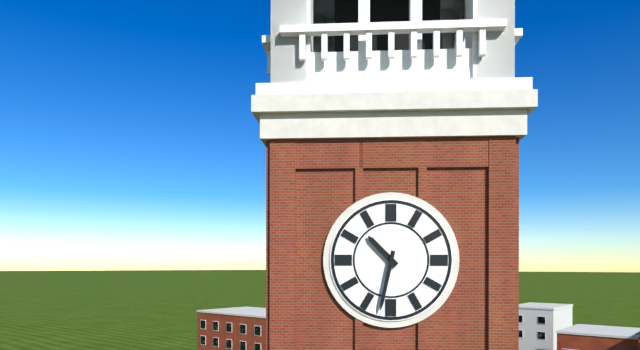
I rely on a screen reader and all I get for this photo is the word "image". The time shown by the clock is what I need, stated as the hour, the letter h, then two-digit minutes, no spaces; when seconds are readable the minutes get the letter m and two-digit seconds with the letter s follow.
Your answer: 10h32
